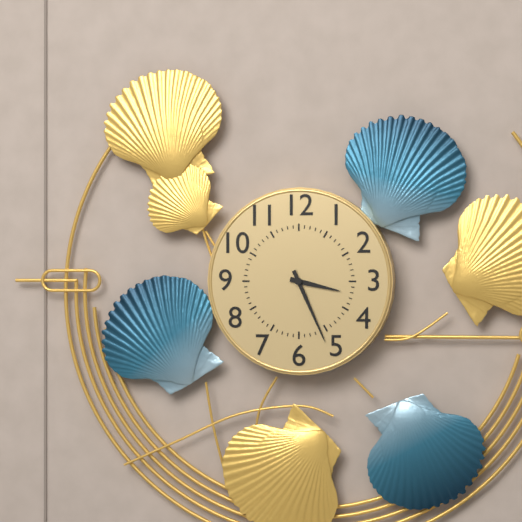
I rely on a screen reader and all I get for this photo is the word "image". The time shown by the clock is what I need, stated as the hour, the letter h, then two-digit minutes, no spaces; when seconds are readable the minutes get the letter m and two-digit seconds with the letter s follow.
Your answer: 3h26
